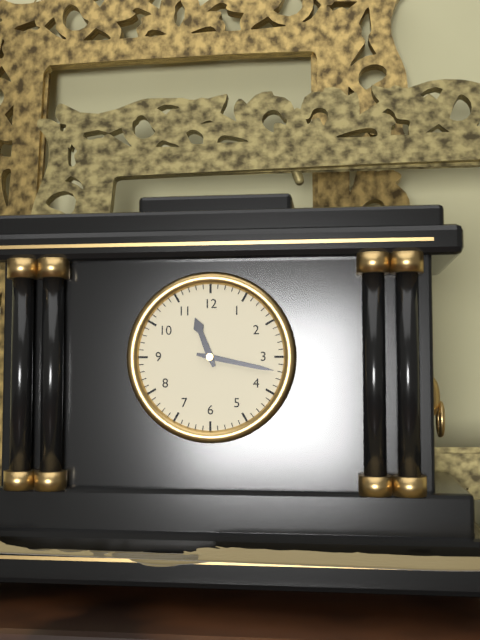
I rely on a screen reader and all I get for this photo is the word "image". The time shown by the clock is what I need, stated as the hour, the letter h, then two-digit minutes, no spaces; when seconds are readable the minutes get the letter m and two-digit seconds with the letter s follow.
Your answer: 11h17
